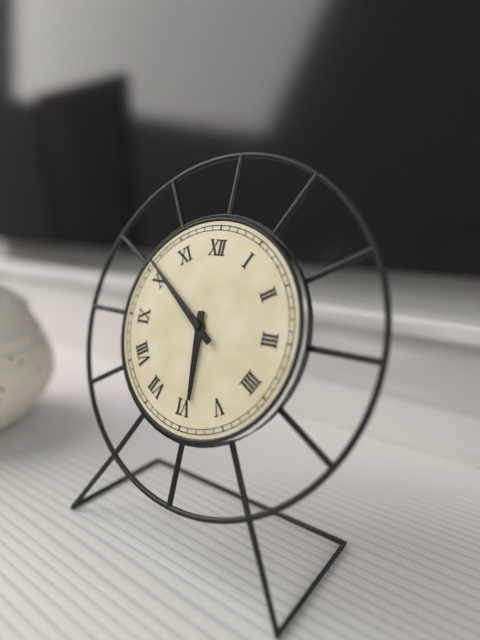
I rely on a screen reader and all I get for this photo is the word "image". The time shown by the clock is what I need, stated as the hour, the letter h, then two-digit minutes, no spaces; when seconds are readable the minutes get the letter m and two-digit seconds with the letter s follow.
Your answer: 5h51
